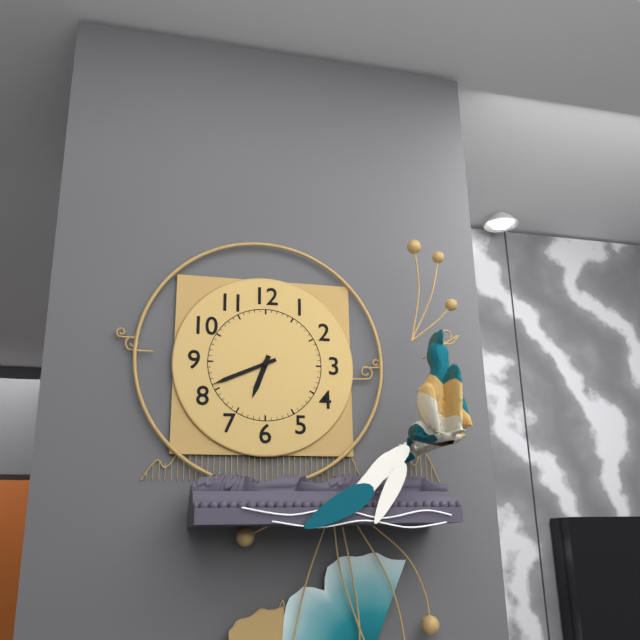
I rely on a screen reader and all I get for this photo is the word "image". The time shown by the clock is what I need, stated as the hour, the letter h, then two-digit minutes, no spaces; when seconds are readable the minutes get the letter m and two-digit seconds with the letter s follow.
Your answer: 6h41
